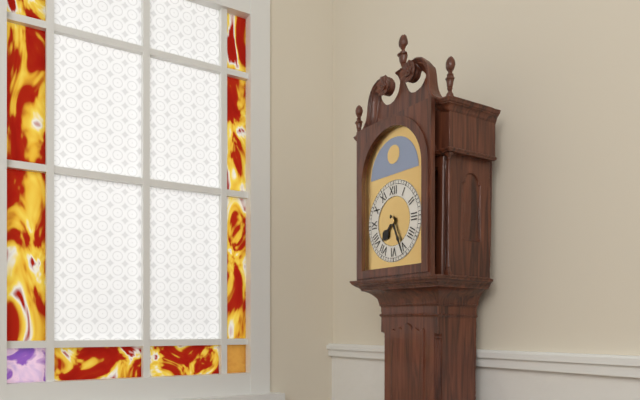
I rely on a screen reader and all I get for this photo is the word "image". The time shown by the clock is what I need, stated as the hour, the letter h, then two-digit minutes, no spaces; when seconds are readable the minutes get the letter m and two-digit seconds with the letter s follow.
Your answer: 7h26
